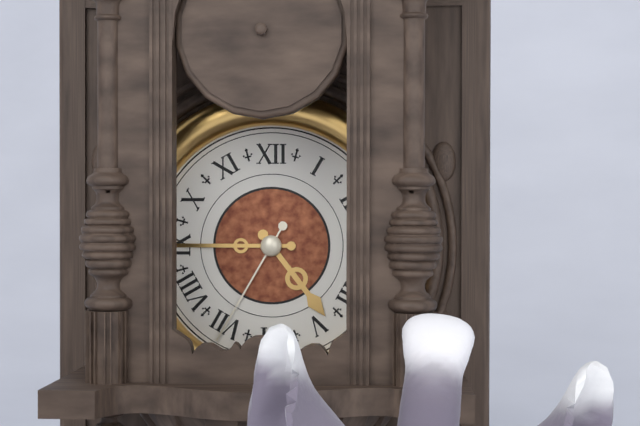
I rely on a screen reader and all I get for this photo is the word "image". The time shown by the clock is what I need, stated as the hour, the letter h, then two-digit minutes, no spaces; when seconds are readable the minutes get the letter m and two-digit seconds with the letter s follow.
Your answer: 4h45m35s
